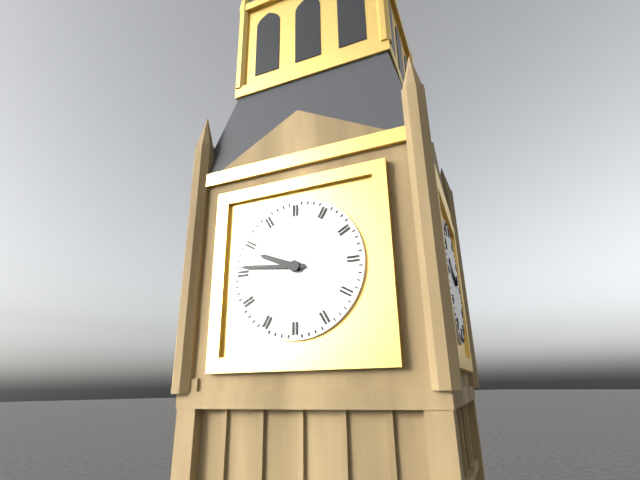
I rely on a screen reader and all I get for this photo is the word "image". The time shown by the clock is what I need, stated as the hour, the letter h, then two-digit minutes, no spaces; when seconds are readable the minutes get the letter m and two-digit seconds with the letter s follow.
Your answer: 9h46
